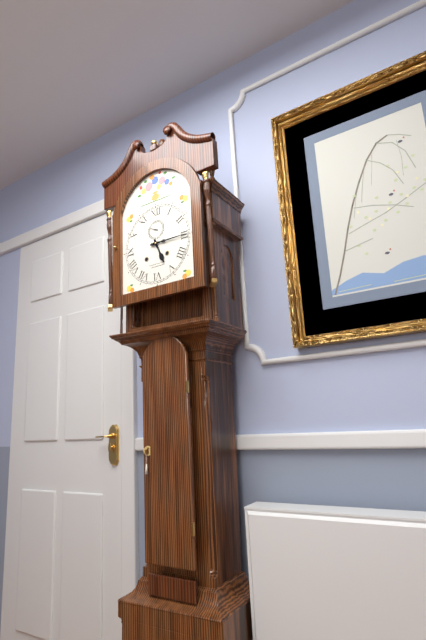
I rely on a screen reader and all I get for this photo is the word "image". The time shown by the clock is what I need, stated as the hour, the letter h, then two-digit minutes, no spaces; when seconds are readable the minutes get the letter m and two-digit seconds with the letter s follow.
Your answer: 5h15
